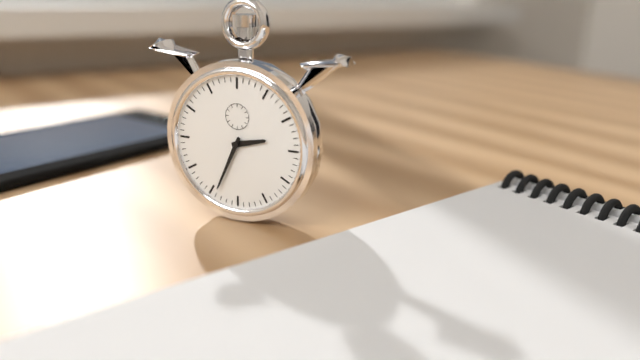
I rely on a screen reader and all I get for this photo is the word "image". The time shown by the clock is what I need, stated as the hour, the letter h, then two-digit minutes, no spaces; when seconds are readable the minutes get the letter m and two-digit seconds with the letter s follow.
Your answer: 2h34
